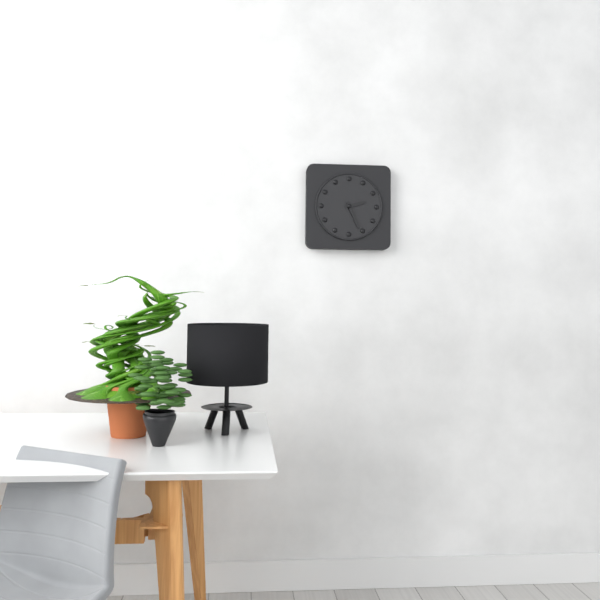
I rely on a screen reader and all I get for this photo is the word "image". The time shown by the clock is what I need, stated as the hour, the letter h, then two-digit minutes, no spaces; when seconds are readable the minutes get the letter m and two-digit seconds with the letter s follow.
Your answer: 2h26
